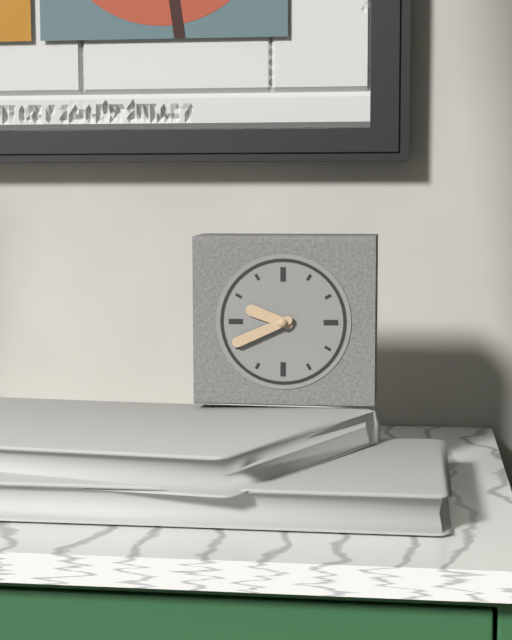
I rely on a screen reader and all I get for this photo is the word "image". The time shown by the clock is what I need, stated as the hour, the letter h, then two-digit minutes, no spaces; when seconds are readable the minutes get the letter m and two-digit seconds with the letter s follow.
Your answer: 9h41
